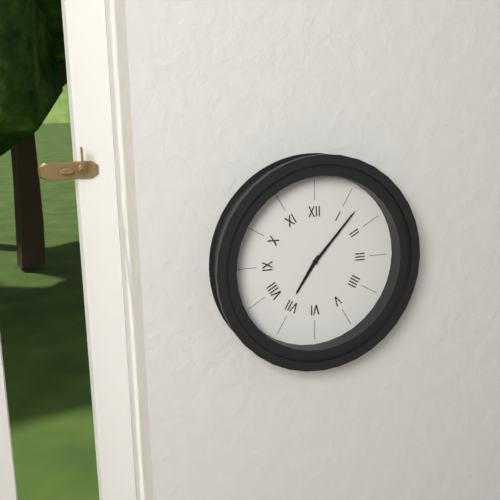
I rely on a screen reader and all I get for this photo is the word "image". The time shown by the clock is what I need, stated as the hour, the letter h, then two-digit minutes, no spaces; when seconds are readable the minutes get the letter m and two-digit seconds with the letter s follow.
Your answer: 7h07
